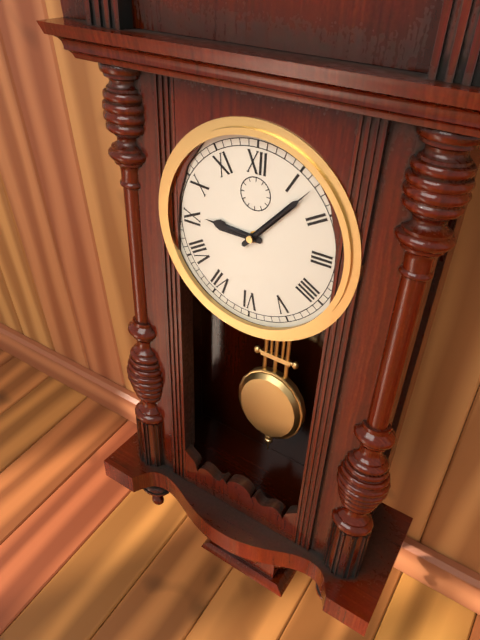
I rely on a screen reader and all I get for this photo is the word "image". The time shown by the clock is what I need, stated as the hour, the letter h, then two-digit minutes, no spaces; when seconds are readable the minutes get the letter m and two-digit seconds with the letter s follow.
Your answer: 9h07
